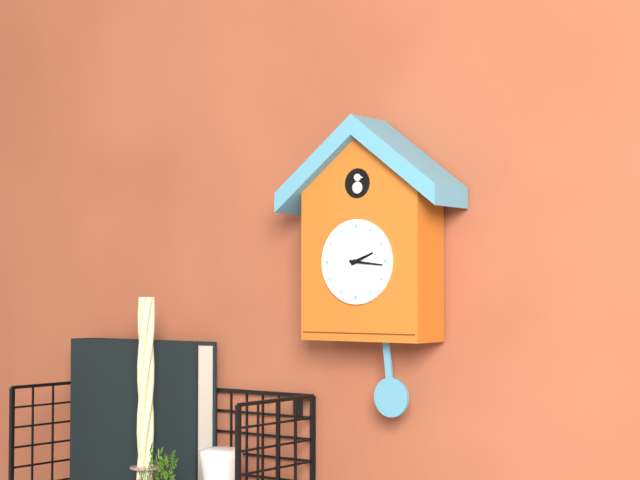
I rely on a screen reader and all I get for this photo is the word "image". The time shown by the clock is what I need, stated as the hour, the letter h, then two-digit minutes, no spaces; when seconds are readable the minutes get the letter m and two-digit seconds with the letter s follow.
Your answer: 2h16
